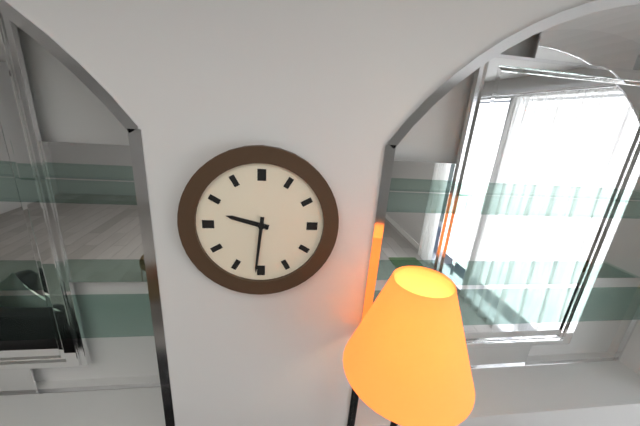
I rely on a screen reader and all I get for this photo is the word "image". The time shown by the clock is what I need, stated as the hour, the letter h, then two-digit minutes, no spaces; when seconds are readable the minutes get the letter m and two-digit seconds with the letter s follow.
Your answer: 9h31
